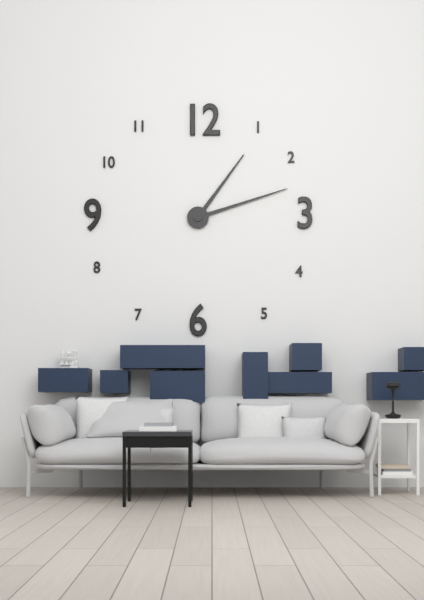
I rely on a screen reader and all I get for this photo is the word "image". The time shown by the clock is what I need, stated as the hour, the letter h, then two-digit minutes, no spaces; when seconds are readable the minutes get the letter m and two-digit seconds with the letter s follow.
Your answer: 1h12
